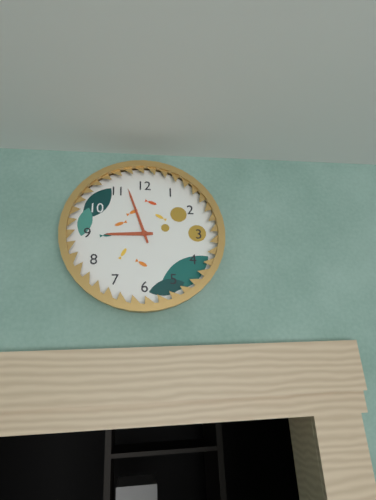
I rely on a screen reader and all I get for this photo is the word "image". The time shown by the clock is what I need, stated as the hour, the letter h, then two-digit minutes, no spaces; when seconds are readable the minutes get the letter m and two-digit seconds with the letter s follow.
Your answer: 8h57
